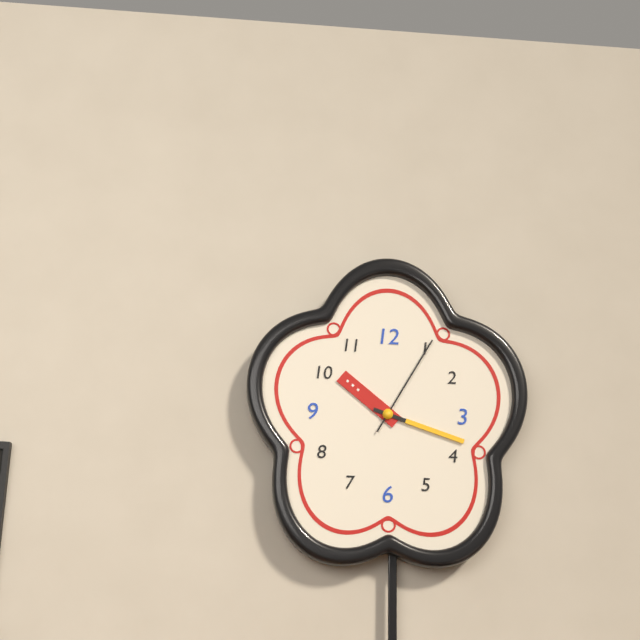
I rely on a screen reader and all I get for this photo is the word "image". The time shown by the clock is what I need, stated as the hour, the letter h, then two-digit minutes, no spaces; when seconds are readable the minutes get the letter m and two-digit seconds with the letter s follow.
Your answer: 10h18m05s
